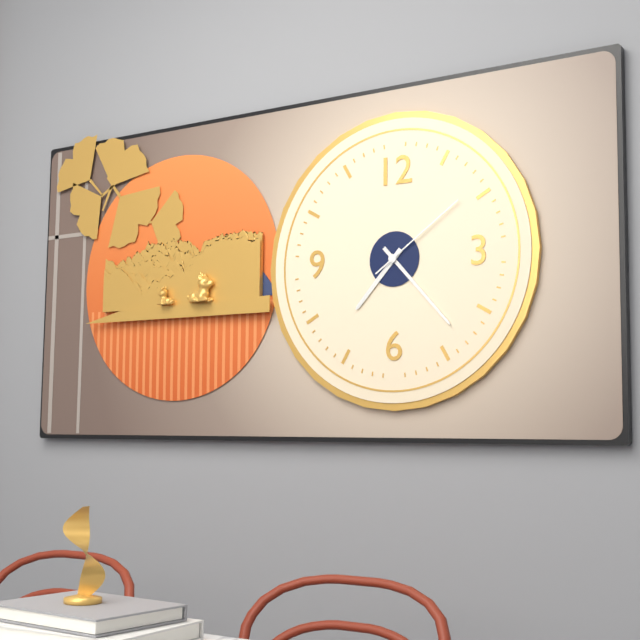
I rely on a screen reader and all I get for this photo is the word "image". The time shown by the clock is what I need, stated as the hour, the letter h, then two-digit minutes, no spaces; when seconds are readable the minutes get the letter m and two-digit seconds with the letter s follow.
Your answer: 7h23m09s
